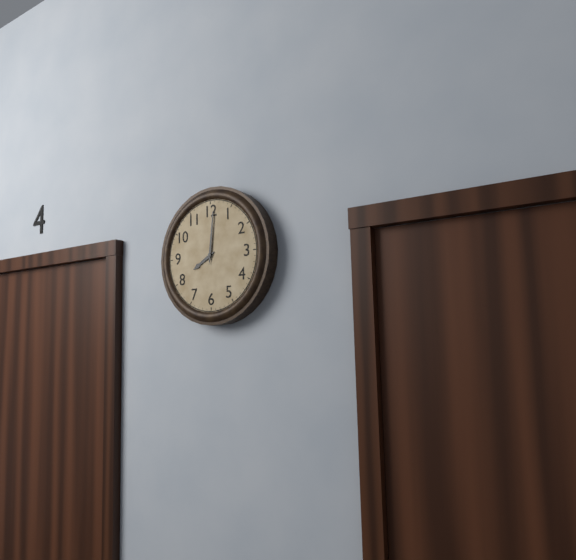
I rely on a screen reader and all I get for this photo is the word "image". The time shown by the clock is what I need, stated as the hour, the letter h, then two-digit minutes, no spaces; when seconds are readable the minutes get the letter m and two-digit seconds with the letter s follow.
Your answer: 8h01
